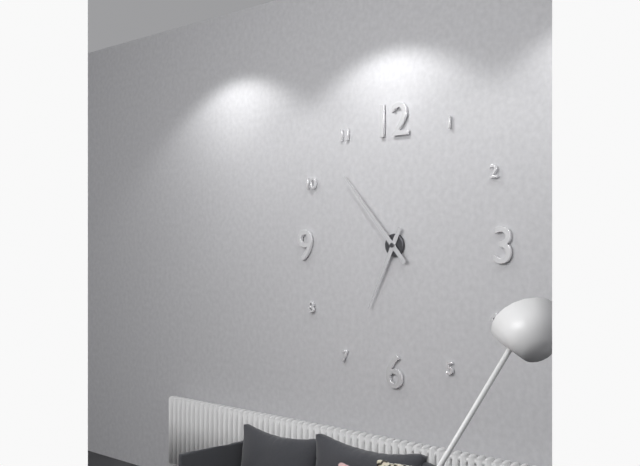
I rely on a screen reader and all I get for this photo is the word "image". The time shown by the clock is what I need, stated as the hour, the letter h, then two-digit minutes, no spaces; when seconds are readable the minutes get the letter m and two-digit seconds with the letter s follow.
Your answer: 6h53
